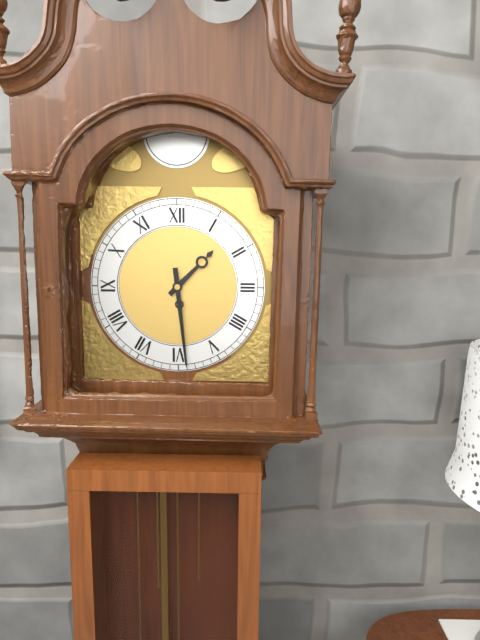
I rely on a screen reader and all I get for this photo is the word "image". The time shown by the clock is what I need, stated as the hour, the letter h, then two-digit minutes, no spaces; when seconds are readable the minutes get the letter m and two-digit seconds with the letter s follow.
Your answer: 1h29
